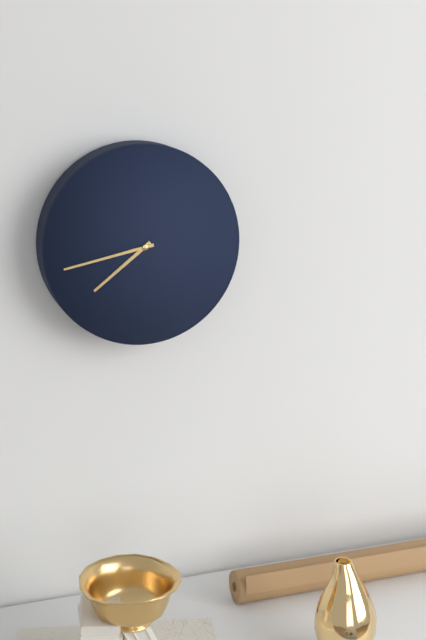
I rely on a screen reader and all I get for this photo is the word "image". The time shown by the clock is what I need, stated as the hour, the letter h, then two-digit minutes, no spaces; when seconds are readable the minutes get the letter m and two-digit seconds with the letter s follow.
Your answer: 7h43
